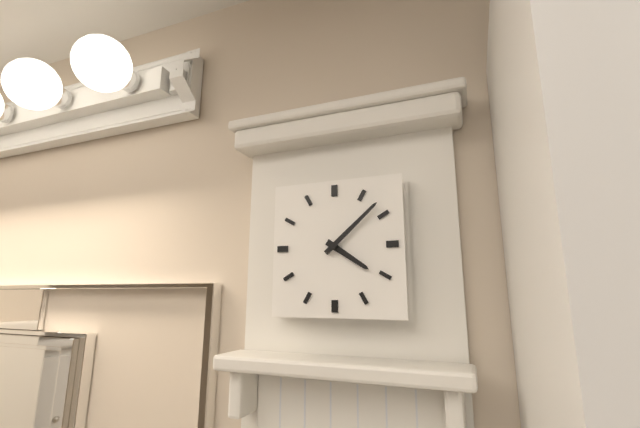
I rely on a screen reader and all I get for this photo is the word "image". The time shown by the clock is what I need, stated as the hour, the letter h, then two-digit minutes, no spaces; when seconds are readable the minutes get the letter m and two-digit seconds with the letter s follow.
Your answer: 4h08
